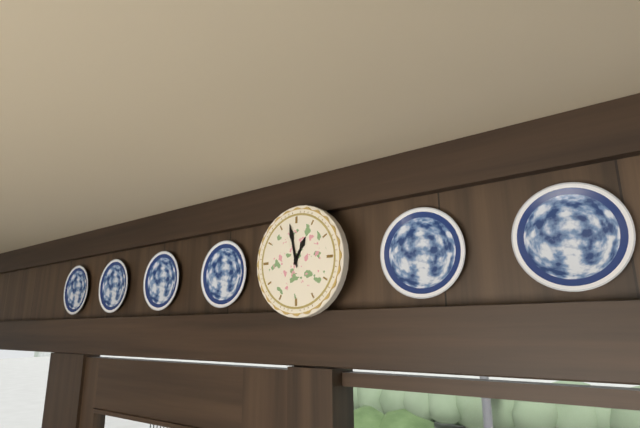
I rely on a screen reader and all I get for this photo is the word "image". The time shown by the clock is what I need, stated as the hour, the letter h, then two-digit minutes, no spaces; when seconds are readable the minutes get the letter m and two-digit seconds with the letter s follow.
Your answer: 12h58
